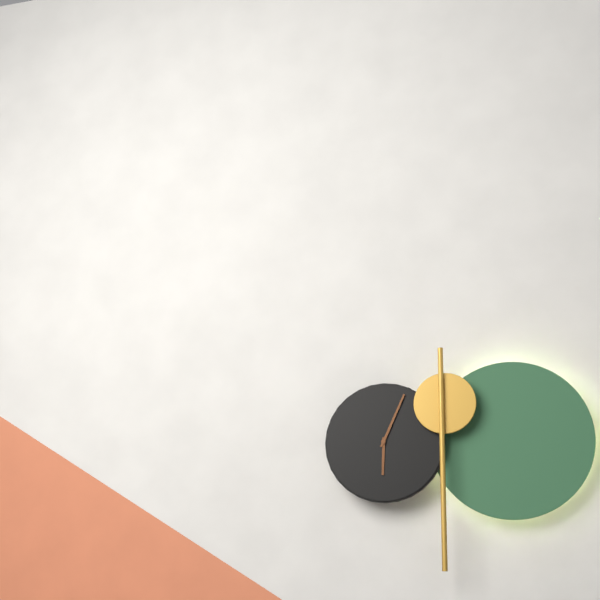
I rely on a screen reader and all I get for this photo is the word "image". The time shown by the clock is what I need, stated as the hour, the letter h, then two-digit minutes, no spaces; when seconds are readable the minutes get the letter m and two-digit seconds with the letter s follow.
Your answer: 6h04
